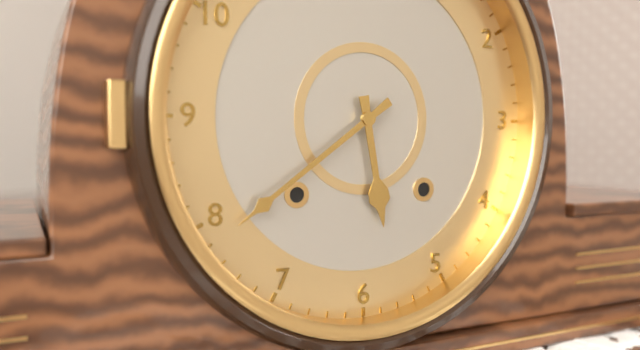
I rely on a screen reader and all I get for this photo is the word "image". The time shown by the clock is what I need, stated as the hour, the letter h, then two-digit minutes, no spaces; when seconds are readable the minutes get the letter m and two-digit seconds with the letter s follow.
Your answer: 5h39
